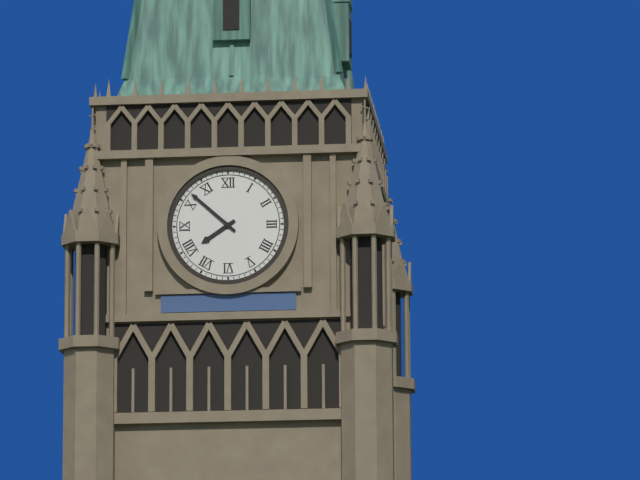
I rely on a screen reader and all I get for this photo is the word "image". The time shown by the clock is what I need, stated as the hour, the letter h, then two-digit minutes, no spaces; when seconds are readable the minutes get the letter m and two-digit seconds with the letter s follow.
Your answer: 7h52
